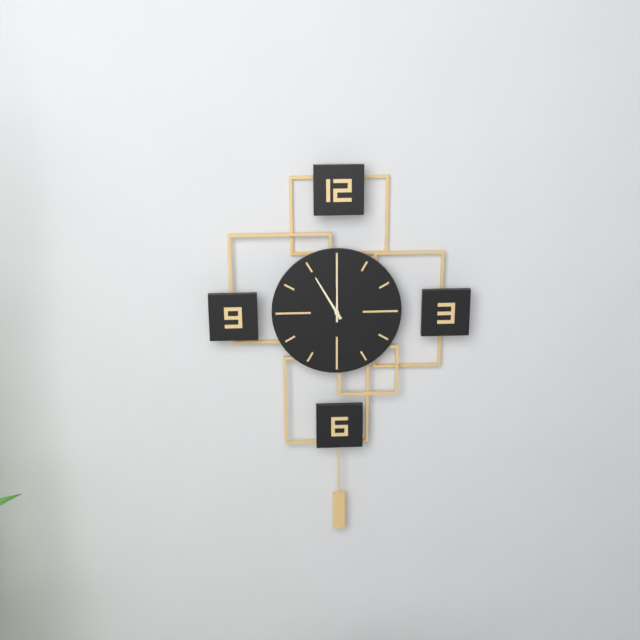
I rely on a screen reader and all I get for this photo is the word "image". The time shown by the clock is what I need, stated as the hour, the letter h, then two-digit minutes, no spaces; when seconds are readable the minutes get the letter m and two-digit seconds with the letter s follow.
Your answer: 11h00
